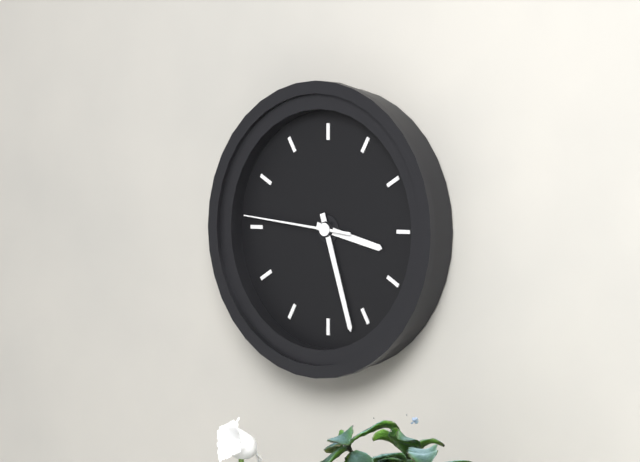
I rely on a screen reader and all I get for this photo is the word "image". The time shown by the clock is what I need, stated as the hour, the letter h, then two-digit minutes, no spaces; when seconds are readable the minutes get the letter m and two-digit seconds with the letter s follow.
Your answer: 3h27m46s
